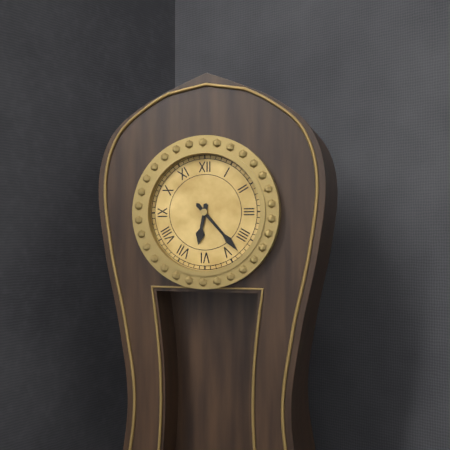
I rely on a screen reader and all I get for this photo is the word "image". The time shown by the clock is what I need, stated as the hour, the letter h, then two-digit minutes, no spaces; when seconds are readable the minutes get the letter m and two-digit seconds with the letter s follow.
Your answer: 6h23
